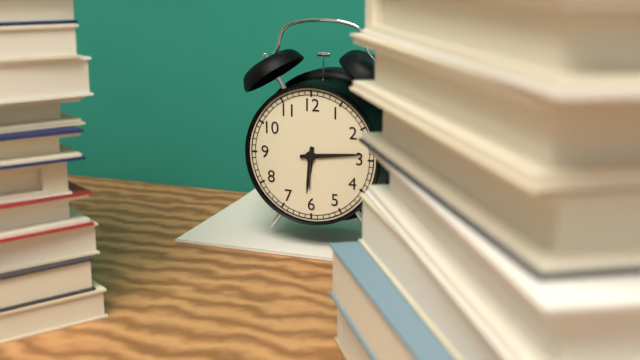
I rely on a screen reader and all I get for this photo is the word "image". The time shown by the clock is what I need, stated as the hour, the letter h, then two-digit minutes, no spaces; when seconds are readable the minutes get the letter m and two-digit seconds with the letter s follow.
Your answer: 6h14
